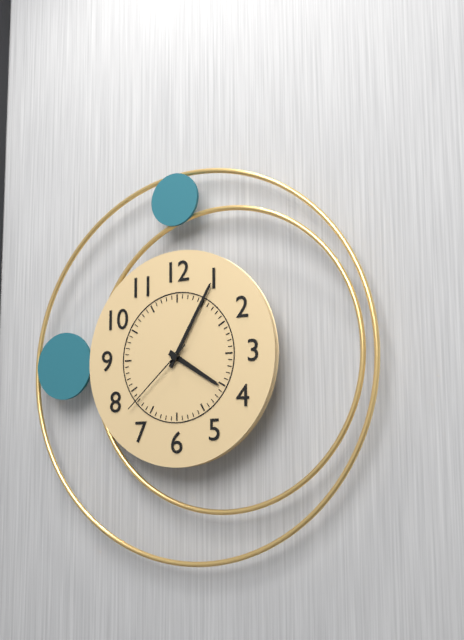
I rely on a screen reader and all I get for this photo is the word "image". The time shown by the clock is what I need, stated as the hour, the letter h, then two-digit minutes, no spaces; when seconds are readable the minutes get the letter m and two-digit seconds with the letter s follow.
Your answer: 4h05m38s
